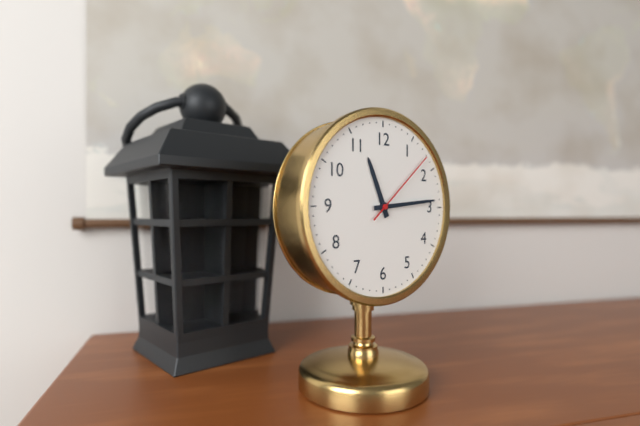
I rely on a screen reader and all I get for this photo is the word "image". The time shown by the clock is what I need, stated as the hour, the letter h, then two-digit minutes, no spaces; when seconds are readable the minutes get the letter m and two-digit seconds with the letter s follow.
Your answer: 11h14m08s
